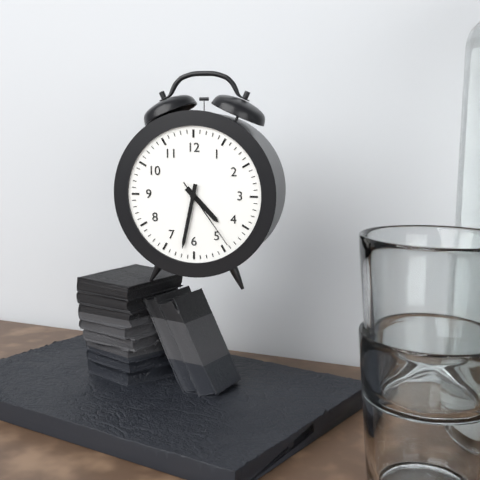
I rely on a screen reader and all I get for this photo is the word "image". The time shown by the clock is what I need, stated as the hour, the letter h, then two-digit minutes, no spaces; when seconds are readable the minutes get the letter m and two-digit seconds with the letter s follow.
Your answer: 4h32m24s
